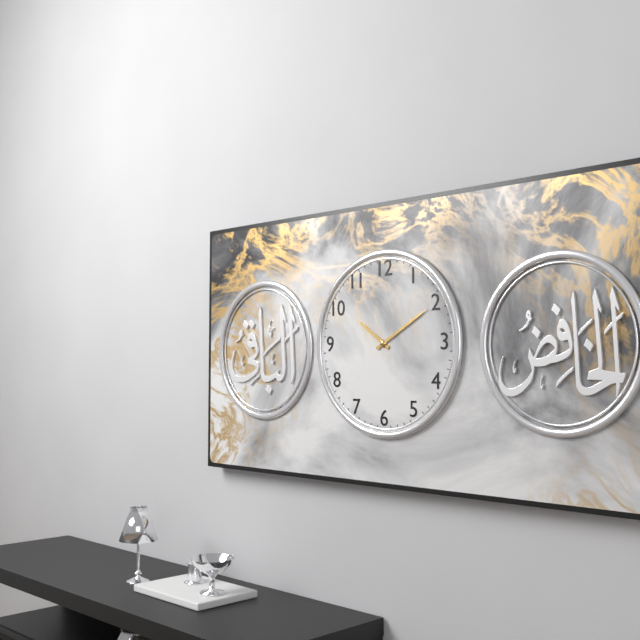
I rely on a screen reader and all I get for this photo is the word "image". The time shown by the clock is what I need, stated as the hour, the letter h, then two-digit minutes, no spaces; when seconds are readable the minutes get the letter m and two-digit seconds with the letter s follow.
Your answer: 10h10
